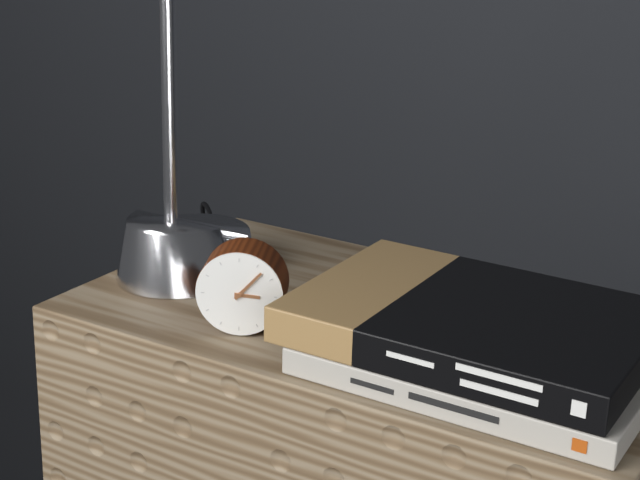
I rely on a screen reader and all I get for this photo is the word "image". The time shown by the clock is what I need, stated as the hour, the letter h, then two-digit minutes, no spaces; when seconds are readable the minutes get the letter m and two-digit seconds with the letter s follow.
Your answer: 3h07
